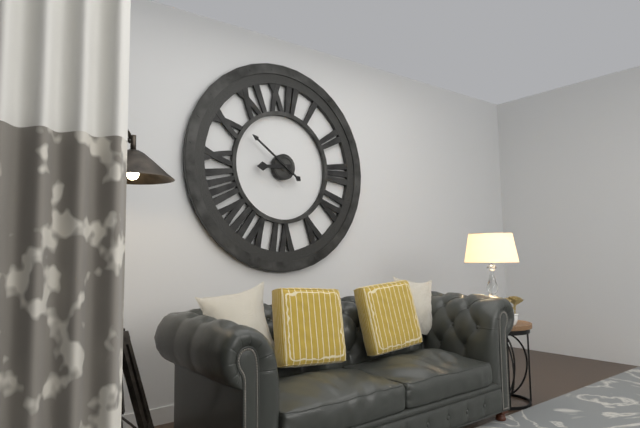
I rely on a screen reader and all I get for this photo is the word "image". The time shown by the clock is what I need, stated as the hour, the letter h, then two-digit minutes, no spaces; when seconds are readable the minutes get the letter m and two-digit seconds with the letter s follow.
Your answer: 8h51
